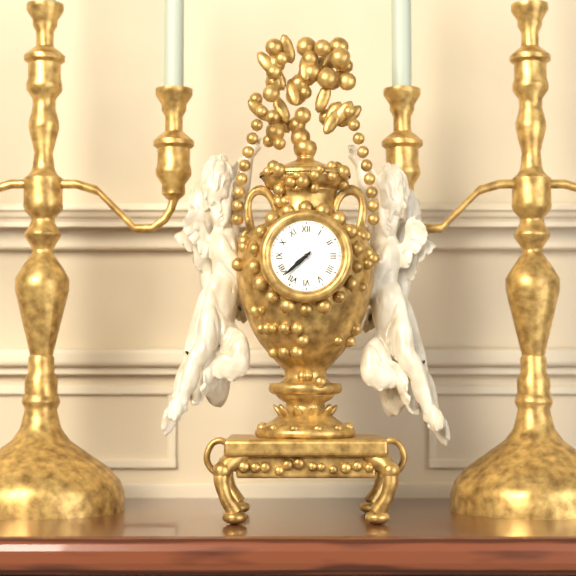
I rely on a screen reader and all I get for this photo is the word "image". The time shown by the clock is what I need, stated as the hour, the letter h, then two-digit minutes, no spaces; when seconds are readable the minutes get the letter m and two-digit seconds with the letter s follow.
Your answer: 7h38
